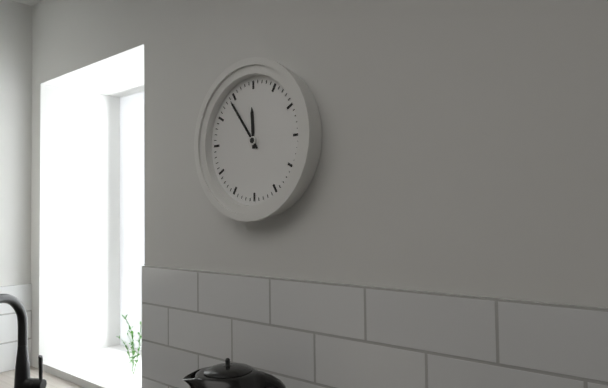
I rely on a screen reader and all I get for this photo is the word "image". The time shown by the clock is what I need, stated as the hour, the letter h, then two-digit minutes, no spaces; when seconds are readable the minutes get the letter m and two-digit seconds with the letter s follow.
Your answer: 11h54
